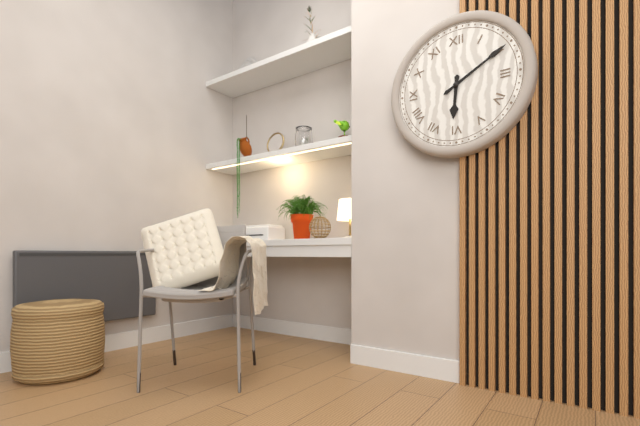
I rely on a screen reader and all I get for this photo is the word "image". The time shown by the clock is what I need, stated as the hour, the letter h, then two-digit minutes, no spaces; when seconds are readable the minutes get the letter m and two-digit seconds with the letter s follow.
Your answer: 6h10
